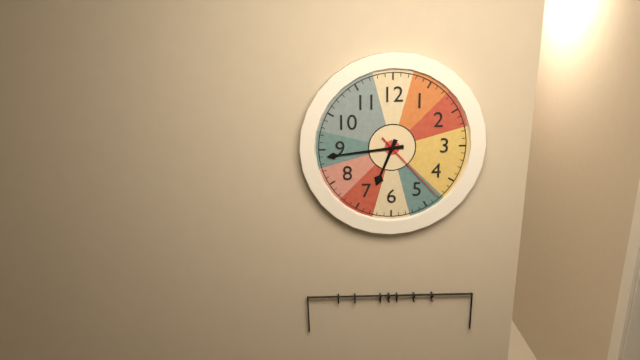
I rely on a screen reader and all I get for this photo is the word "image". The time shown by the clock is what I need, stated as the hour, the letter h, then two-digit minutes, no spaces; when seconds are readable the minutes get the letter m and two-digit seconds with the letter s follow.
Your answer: 6h44m23s
